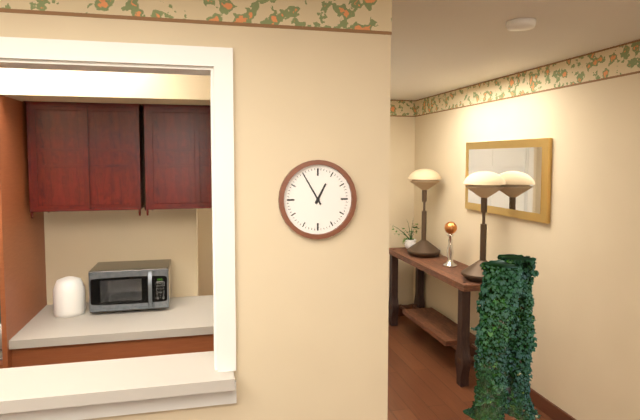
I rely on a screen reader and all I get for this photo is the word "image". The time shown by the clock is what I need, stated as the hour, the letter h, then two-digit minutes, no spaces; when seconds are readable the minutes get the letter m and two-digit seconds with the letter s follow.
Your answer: 12h55
